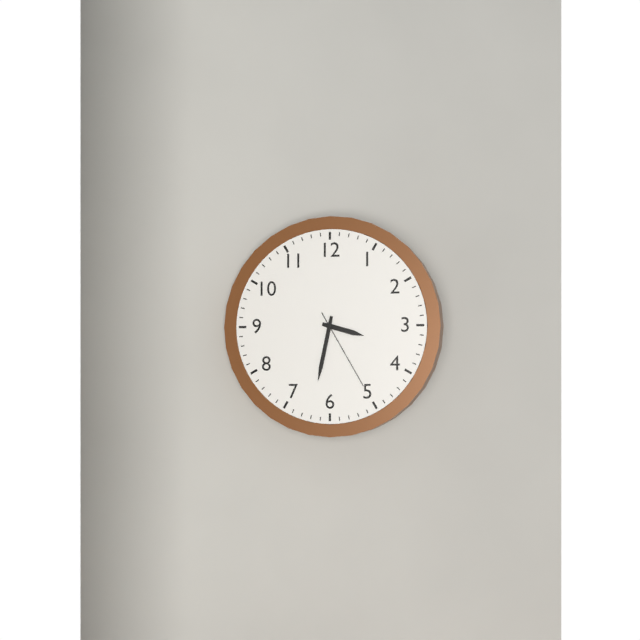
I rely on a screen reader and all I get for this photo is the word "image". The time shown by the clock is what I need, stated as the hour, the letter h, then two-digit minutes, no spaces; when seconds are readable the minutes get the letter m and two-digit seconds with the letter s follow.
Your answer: 3h32m25s
